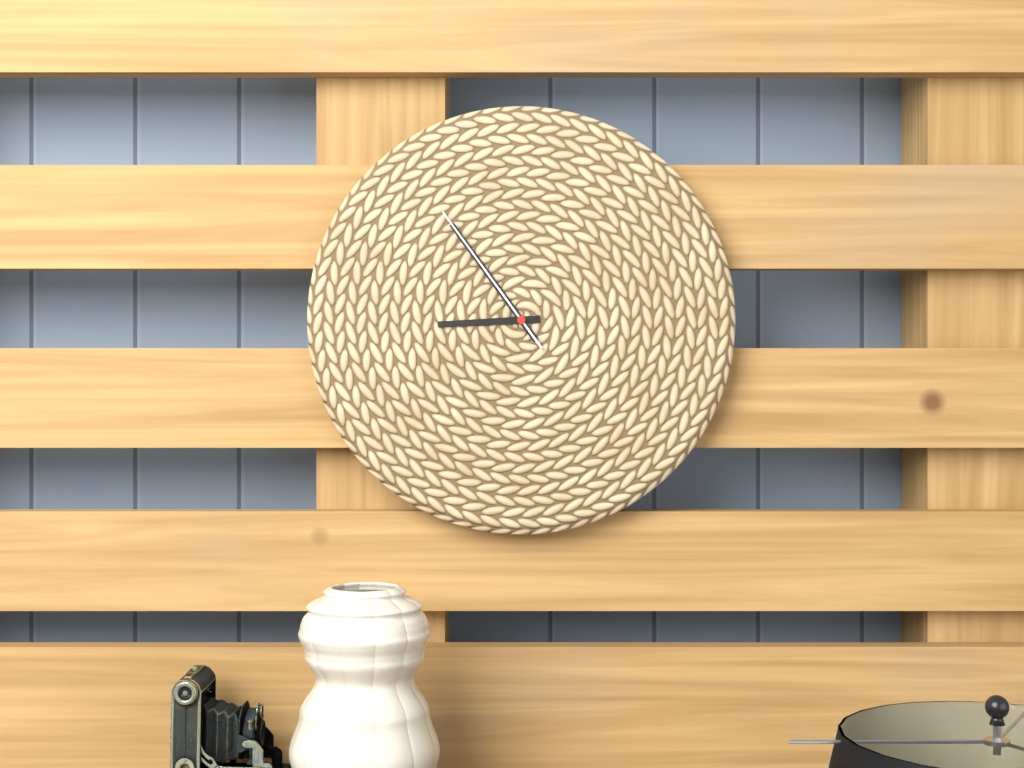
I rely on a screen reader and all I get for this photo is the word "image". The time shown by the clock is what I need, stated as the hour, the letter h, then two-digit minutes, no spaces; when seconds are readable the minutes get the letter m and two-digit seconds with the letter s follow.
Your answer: 8h54m54s
